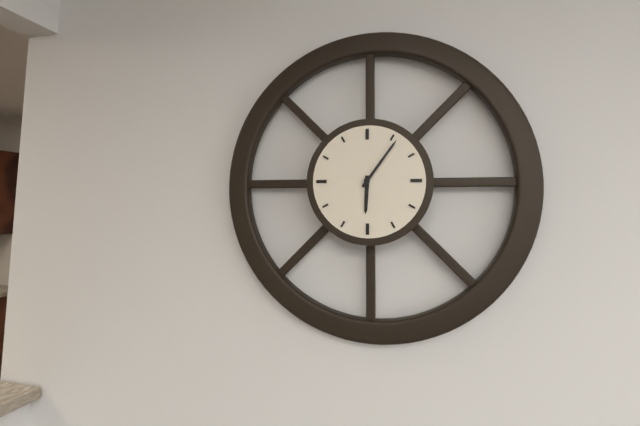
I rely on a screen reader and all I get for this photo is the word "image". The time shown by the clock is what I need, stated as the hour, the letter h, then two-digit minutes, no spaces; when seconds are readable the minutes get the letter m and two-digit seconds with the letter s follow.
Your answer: 6h06
